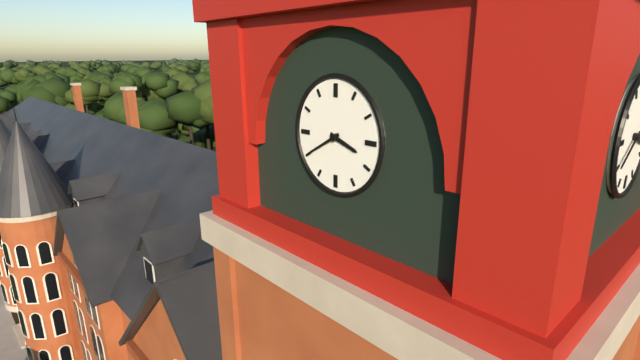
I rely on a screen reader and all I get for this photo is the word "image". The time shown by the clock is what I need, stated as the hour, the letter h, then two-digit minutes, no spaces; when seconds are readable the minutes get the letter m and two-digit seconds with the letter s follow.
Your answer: 3h40
